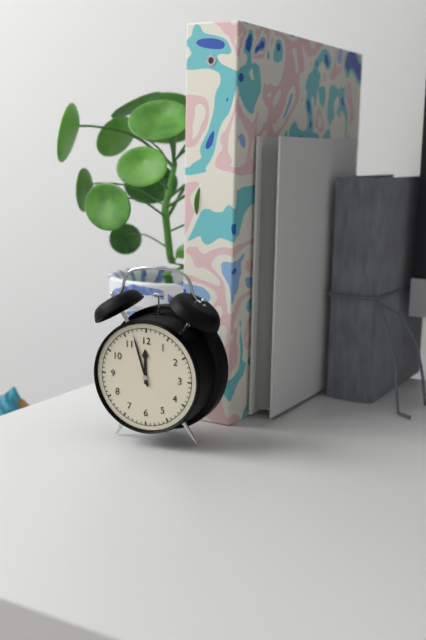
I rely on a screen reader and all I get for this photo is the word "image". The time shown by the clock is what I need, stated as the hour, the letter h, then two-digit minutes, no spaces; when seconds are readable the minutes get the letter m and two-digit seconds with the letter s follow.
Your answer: 11h57
